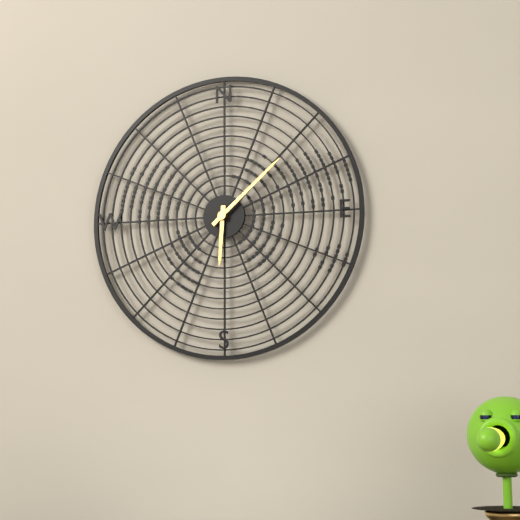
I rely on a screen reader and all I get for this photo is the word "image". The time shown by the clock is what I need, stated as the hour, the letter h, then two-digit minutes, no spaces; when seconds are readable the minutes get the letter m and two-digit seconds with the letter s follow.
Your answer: 6h08
